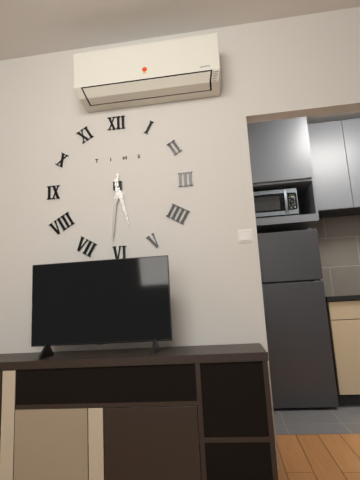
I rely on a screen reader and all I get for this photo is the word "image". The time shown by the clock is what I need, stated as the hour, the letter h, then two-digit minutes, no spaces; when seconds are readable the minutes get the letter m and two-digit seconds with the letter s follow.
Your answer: 5h31
